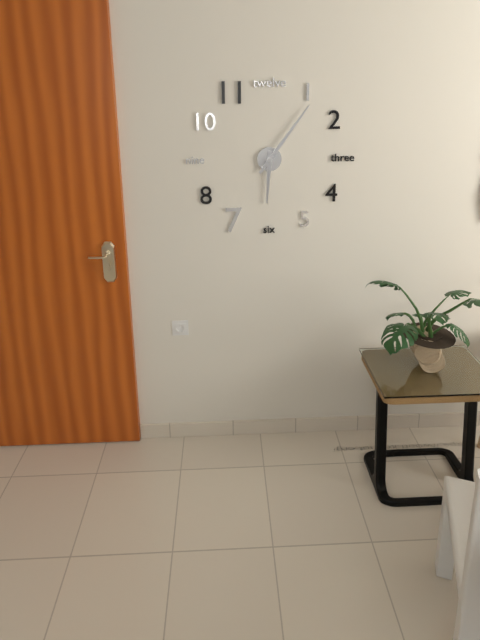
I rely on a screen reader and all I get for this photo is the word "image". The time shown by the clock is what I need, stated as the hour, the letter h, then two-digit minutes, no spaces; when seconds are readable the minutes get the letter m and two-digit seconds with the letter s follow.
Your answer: 6h06
